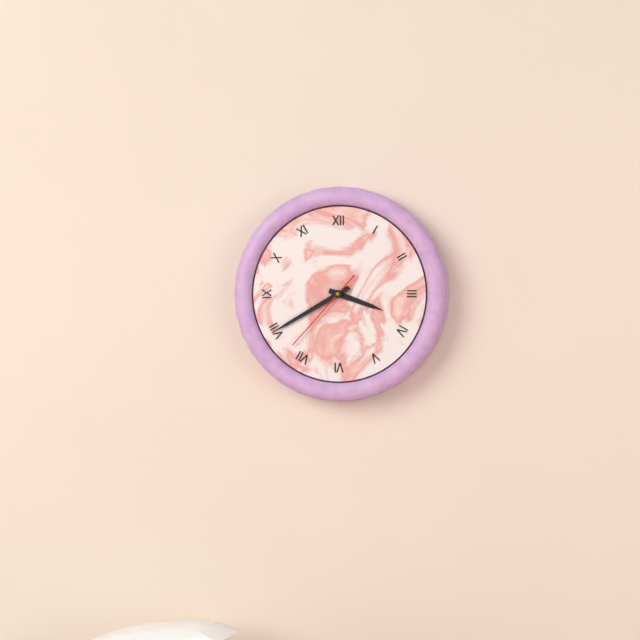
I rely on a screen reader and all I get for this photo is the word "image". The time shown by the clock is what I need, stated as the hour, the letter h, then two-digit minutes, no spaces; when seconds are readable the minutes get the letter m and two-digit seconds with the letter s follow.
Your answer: 3h40m37s
